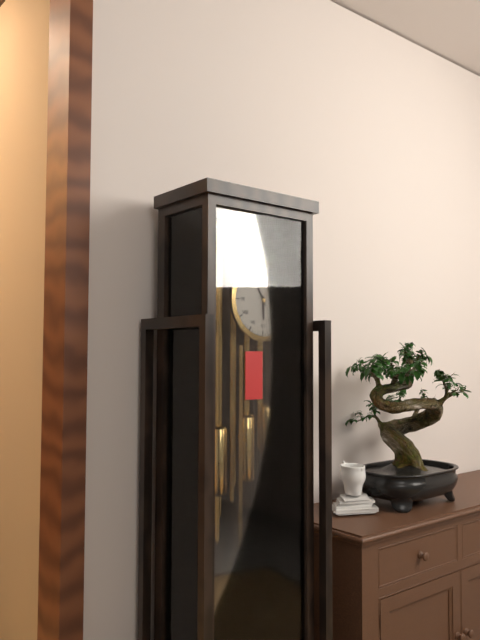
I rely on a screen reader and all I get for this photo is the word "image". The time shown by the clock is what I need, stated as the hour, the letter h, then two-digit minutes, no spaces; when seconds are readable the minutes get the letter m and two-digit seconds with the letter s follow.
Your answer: 5h55
